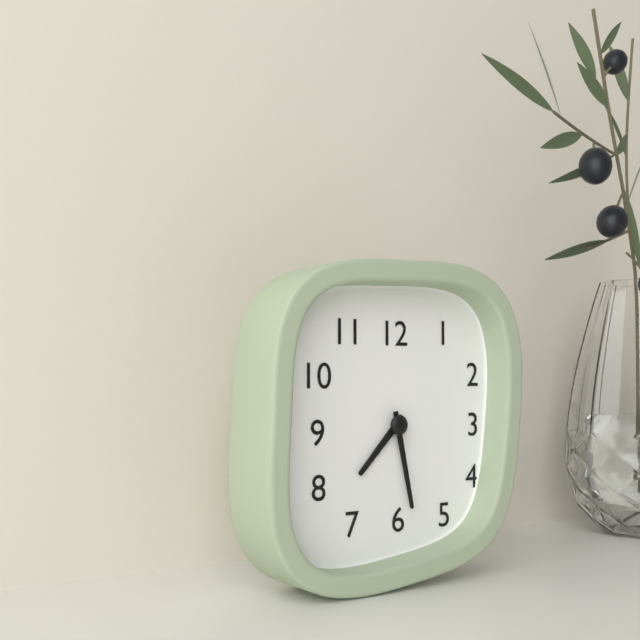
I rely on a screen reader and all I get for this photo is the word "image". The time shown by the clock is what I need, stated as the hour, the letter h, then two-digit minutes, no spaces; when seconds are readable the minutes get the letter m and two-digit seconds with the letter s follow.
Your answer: 7h28
